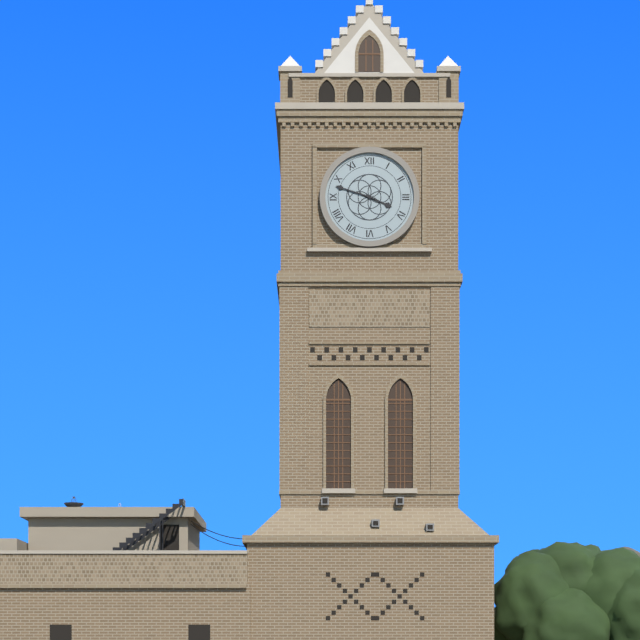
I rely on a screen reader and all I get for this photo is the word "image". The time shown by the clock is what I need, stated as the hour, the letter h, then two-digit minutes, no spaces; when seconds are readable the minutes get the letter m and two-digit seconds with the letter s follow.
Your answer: 3h48
